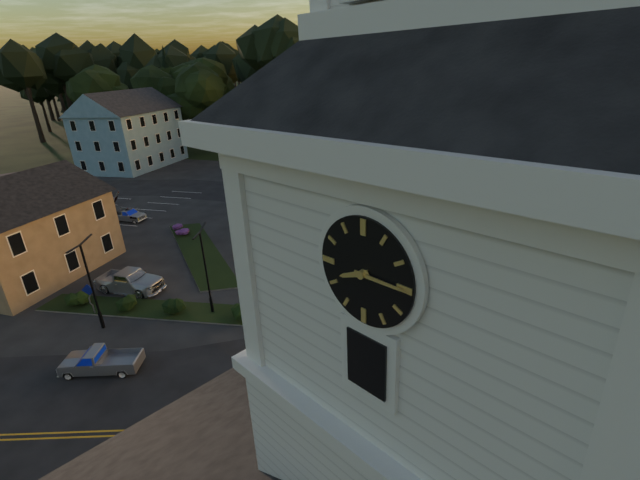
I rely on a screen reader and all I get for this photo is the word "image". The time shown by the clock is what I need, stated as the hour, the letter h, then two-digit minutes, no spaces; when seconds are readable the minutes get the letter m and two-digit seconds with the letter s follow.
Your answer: 8h15
